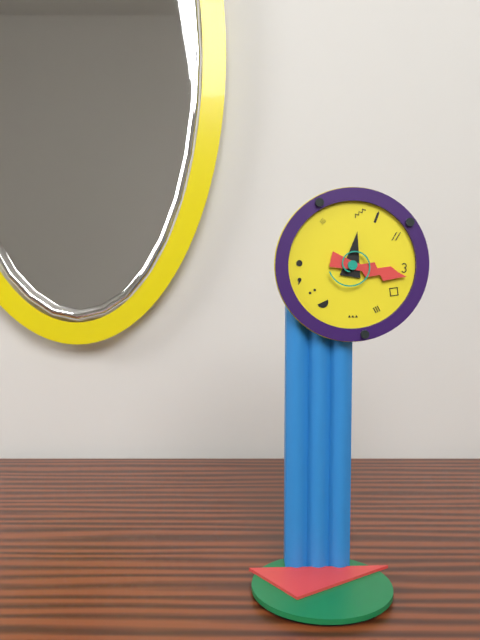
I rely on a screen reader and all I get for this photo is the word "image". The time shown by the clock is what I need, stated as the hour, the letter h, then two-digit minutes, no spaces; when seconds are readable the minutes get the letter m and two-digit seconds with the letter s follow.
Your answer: 12h17
